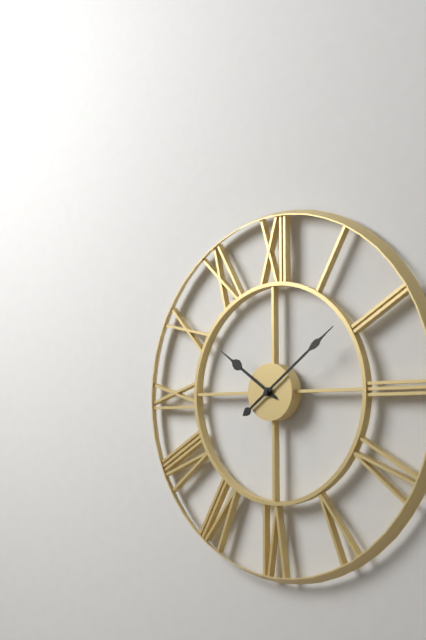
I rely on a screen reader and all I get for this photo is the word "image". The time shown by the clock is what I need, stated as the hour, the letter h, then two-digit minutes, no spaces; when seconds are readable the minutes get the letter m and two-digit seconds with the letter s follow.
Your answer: 10h09
